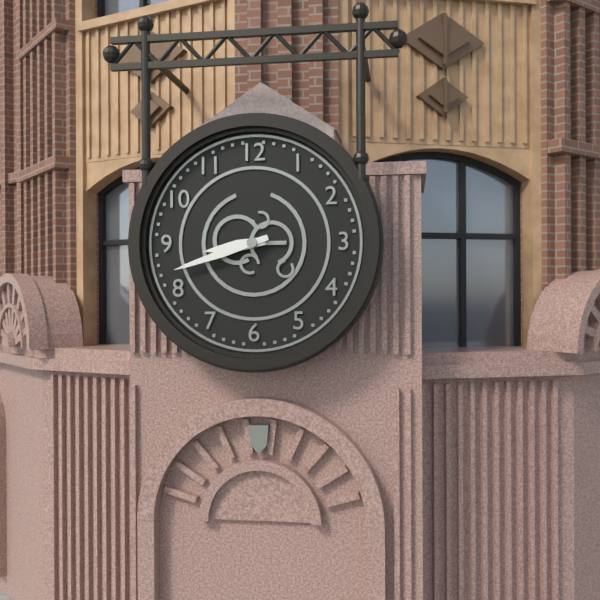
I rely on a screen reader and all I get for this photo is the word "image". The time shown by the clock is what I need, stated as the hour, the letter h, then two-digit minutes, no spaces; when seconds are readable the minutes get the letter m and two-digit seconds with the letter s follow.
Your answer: 8h42
